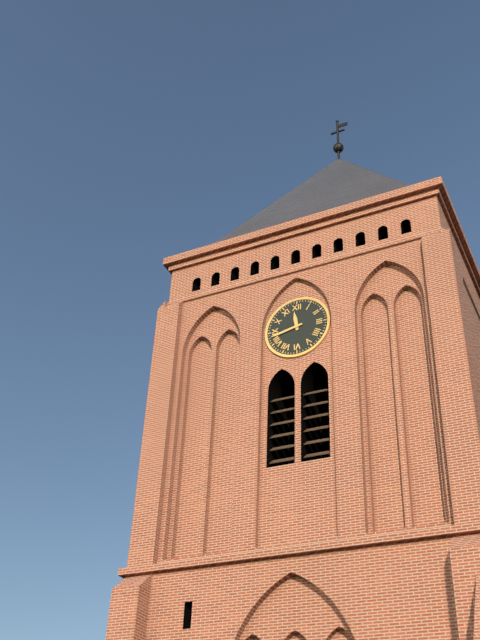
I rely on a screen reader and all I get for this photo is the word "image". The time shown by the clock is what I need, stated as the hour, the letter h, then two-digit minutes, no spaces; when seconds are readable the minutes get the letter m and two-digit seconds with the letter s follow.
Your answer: 11h43
